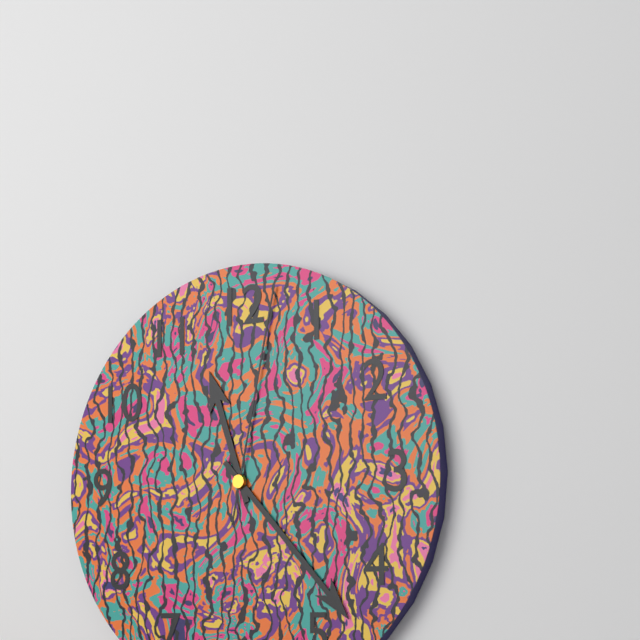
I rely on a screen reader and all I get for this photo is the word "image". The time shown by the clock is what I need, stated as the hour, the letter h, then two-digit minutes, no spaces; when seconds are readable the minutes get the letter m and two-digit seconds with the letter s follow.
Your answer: 11h23m02s
